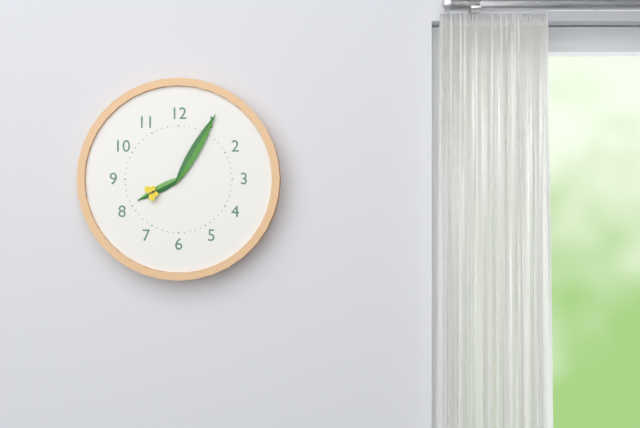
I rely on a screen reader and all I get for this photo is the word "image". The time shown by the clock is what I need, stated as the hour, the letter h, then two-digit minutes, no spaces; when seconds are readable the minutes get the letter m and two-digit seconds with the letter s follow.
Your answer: 8h05
